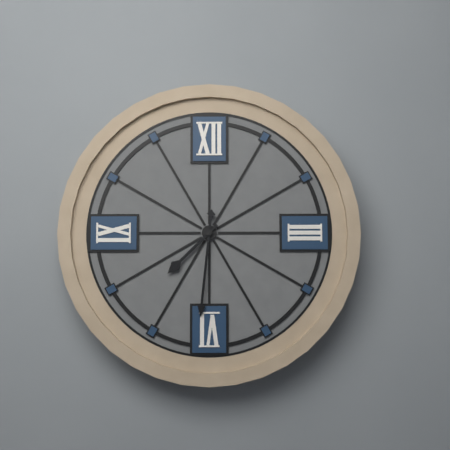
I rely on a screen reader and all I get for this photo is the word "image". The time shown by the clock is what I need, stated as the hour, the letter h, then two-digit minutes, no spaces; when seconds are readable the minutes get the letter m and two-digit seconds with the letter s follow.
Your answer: 7h31
